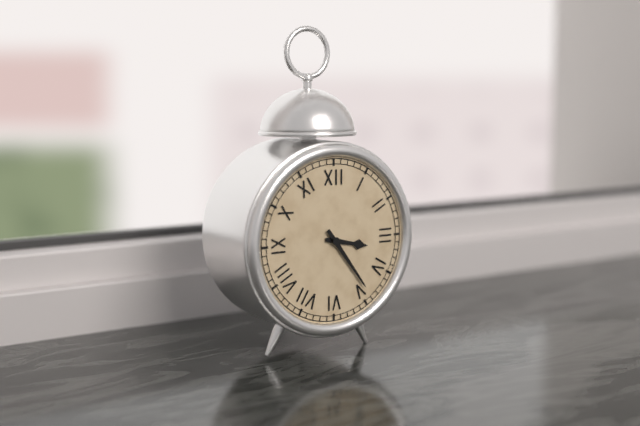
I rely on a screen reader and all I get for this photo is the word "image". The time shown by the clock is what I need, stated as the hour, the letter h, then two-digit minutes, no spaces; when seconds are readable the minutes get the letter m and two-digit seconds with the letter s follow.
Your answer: 3h24
